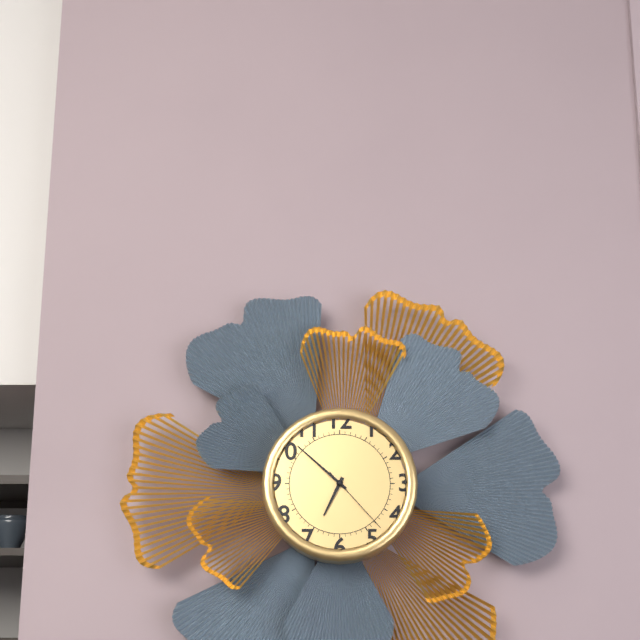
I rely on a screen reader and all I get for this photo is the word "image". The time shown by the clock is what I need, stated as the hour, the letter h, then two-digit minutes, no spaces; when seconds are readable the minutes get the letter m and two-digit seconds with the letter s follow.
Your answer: 6h52m23s
